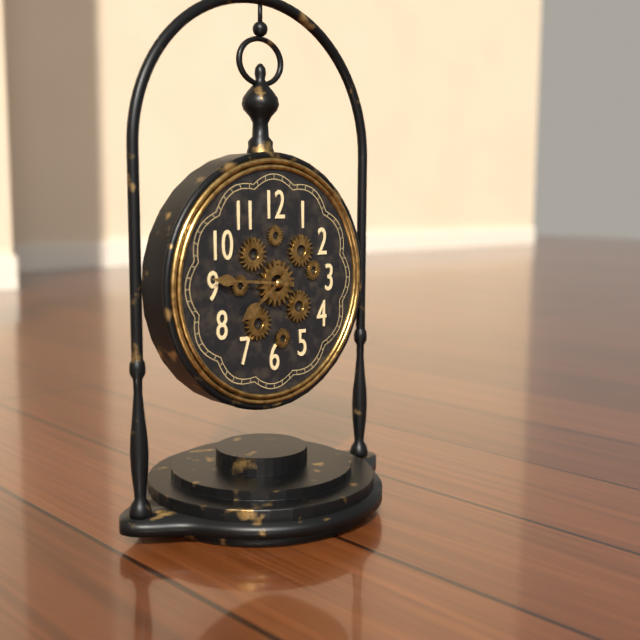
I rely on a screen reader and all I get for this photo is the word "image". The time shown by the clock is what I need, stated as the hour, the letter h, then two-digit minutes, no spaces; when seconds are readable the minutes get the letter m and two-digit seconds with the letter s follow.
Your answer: 7h46
